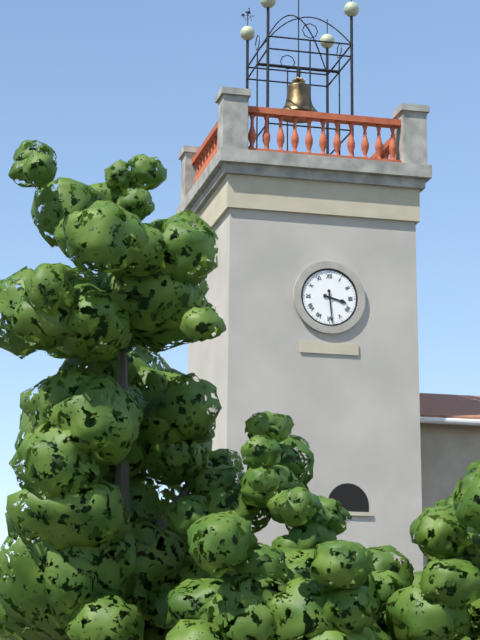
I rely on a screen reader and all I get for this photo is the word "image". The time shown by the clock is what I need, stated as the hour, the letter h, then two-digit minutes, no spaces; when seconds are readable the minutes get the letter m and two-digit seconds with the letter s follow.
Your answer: 3h29
